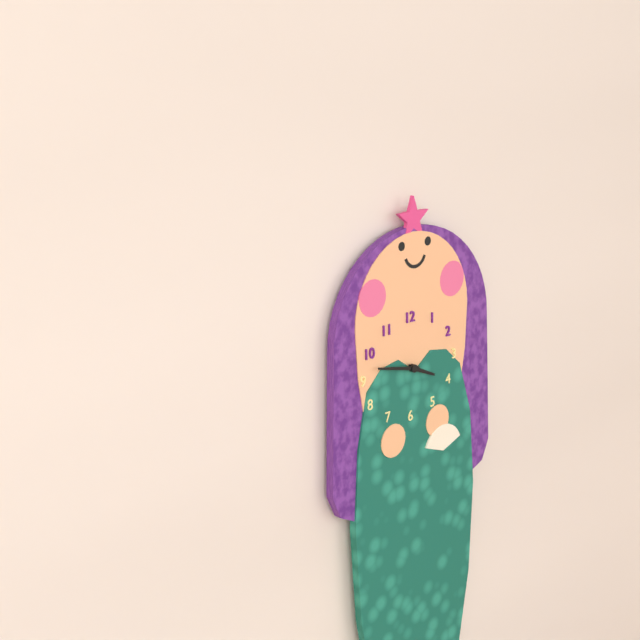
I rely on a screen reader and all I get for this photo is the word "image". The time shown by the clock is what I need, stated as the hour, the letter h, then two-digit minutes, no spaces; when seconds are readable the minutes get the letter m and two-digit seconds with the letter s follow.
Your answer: 3h47
